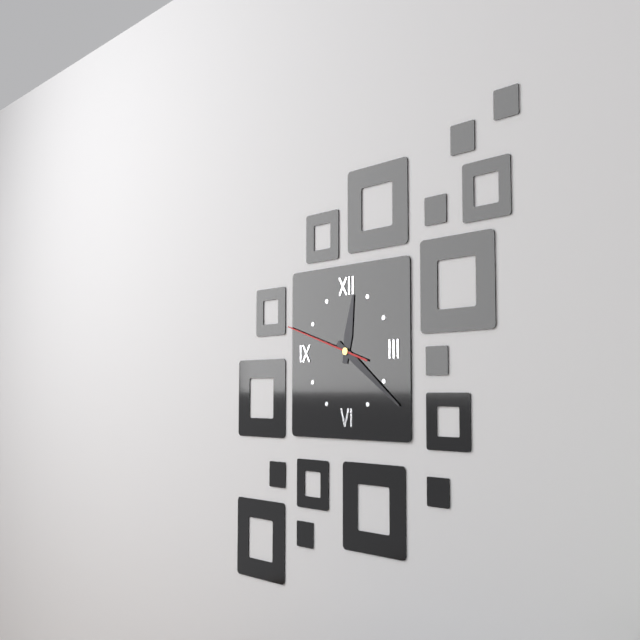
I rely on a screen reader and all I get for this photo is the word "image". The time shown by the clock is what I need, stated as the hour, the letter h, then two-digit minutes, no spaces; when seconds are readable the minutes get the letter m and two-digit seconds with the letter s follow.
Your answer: 12h21m48s
